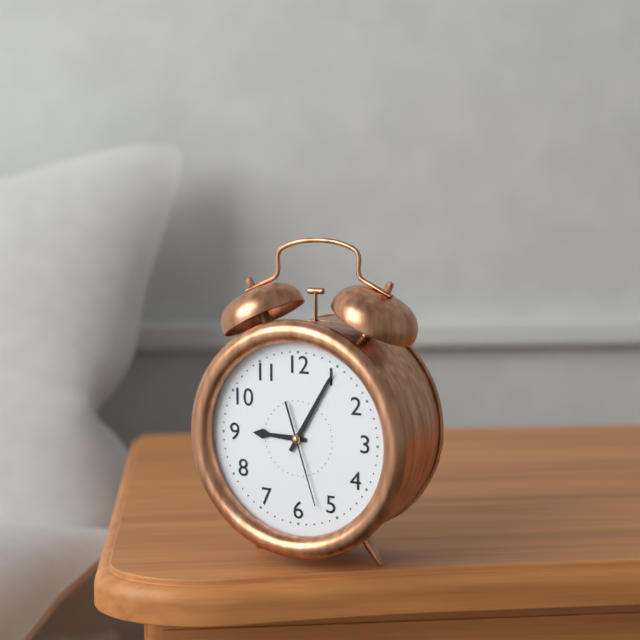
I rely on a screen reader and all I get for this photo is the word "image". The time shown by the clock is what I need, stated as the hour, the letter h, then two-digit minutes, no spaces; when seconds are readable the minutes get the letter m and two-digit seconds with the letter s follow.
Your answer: 9h05m27s
